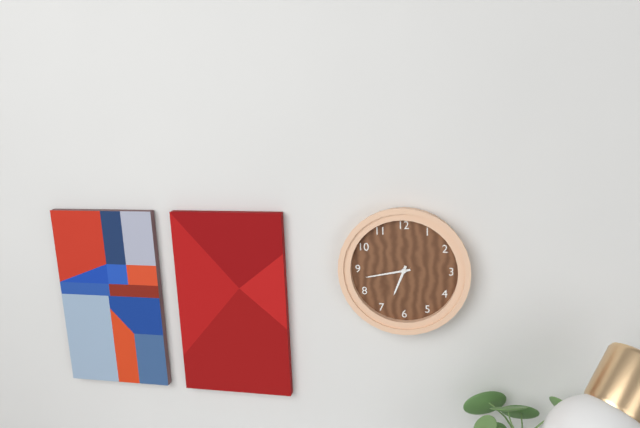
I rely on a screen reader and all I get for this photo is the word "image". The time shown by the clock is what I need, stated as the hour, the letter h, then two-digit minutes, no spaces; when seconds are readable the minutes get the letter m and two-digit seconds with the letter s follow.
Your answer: 6h43
